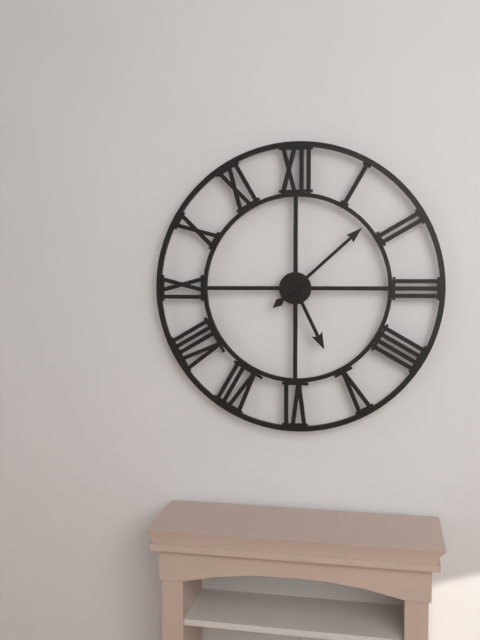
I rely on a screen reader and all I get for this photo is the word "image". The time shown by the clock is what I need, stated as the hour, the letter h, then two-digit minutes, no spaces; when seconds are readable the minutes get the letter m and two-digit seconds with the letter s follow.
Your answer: 5h08
